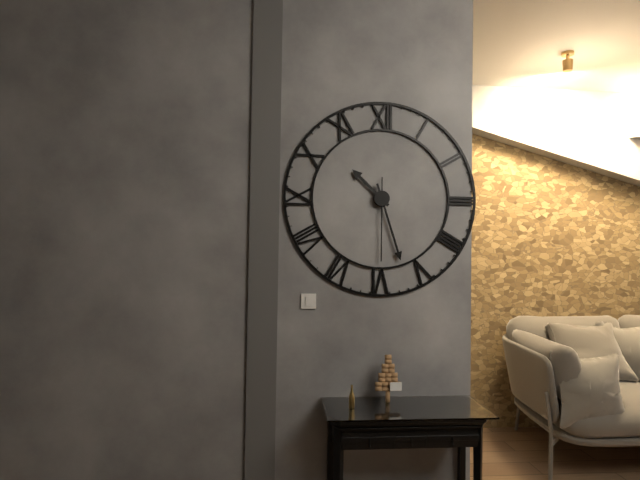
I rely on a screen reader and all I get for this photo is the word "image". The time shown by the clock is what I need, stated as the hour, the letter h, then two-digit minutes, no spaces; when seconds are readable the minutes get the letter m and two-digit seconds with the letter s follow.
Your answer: 10h27m30s
